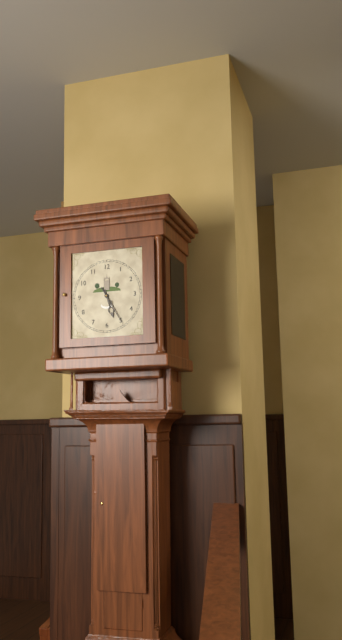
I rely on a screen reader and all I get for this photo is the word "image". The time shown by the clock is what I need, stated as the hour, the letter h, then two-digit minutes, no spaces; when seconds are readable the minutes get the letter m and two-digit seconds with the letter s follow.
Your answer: 5h25
